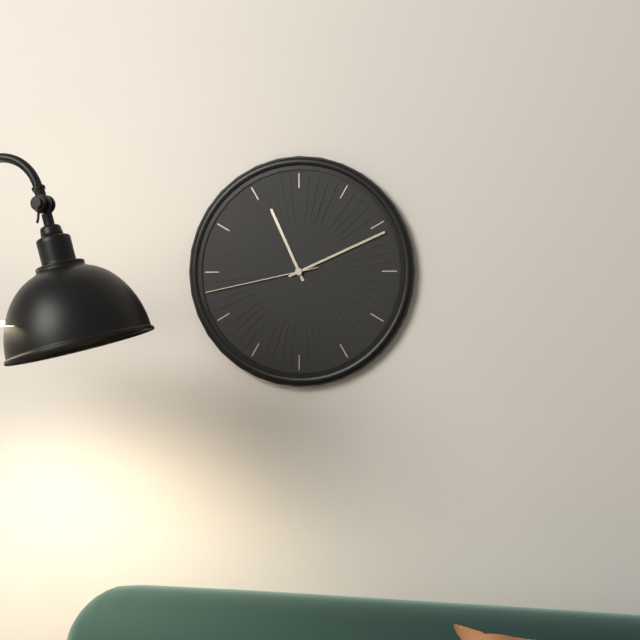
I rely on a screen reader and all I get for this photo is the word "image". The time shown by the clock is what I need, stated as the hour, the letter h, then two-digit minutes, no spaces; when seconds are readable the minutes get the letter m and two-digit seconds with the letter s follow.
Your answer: 11h11m43s
